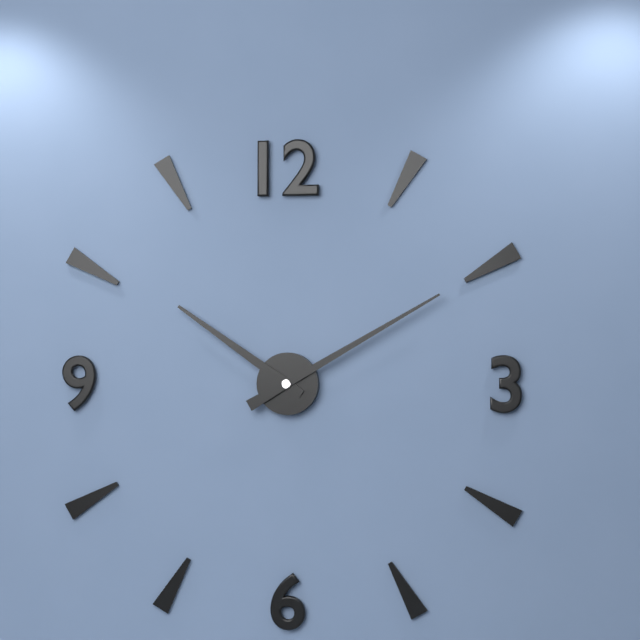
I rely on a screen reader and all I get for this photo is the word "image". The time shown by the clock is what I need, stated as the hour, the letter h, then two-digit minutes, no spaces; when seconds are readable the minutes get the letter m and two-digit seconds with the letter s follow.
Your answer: 10h10
